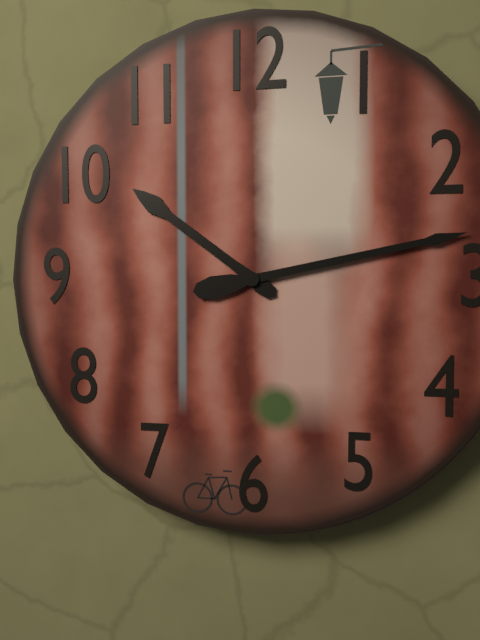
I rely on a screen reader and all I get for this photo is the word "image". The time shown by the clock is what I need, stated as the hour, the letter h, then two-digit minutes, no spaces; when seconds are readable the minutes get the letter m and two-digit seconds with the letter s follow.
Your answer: 10h13
